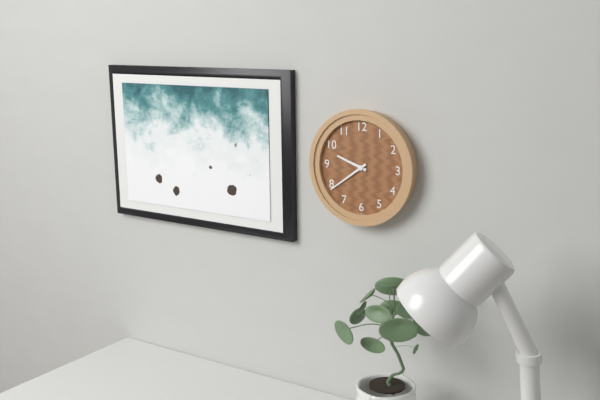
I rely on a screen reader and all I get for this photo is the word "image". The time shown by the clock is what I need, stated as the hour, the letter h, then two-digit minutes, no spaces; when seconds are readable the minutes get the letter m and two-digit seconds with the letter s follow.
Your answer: 9h39
